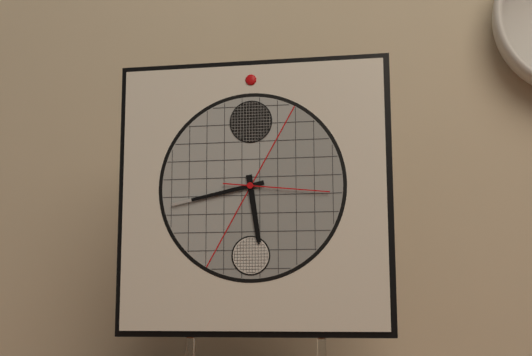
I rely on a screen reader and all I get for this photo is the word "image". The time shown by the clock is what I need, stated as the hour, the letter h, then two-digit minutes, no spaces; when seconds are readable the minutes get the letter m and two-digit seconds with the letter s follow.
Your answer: 5h43m16s
